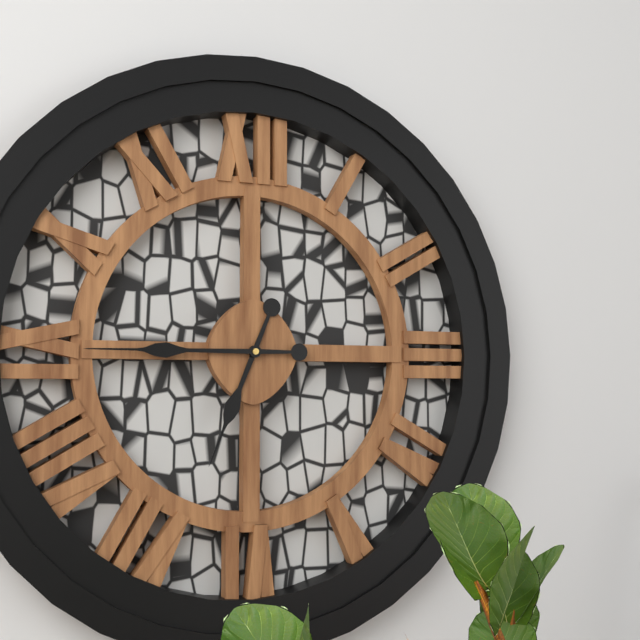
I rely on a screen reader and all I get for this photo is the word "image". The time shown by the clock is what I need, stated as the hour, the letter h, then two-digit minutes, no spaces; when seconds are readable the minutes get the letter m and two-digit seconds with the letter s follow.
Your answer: 6h45
